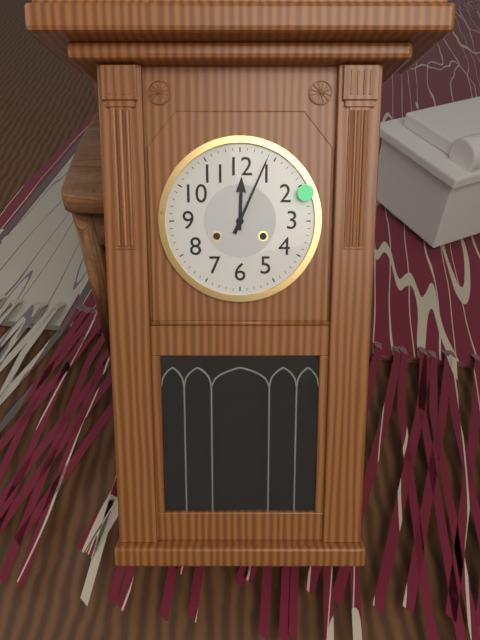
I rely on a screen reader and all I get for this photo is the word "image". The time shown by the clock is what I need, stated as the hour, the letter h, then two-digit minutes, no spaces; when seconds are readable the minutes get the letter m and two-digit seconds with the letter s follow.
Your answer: 12h04
